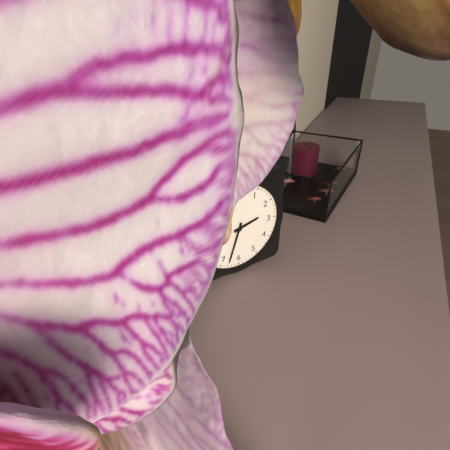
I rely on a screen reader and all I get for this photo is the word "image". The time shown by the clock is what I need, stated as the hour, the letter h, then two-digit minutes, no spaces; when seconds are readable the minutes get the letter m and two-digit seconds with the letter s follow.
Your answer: 2h33
